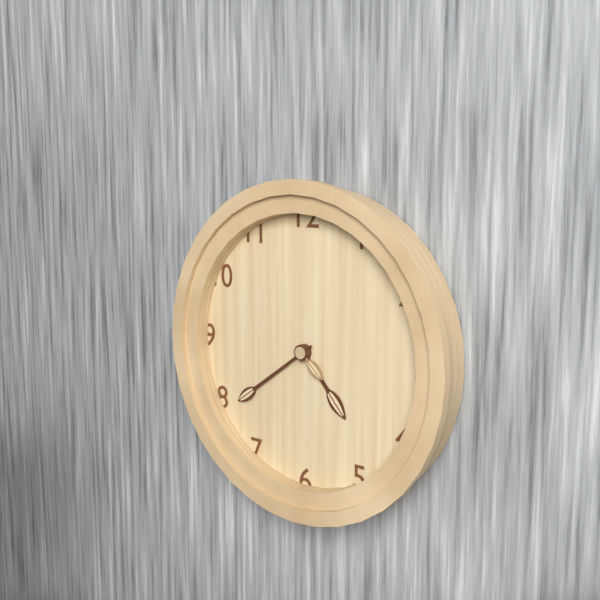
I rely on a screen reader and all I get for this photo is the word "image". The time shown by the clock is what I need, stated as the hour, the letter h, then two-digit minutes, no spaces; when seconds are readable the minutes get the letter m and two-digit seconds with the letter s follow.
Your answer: 4h39
